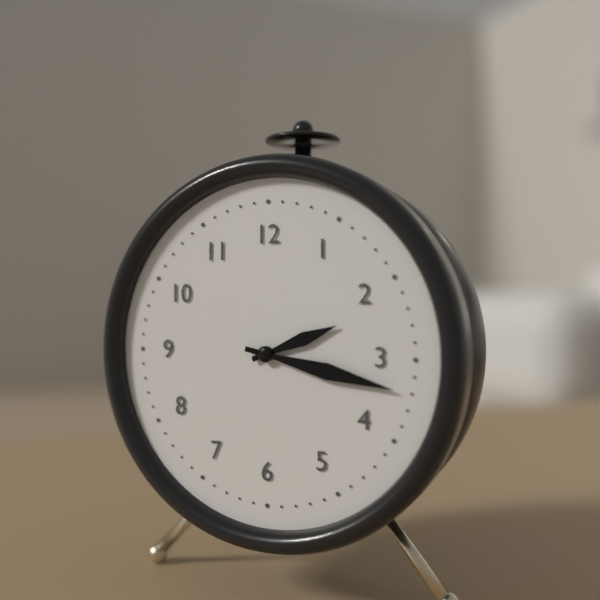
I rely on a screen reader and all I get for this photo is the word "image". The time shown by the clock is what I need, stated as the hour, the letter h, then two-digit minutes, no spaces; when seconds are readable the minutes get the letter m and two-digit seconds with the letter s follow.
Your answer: 2h17
